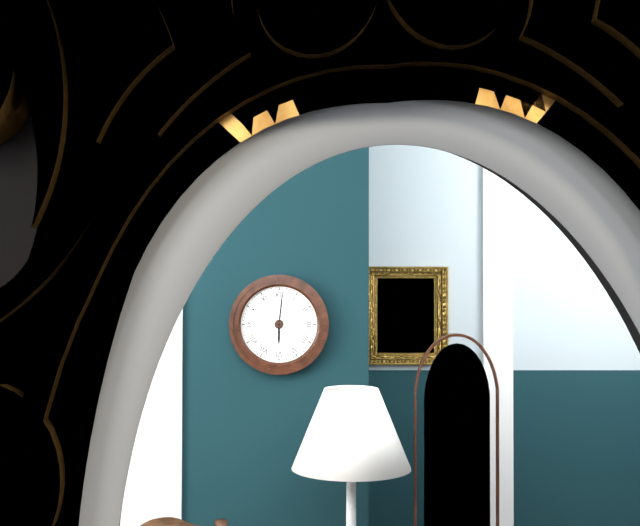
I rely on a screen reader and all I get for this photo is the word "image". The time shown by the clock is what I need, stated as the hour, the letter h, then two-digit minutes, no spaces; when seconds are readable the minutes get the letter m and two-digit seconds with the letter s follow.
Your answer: 6h01
